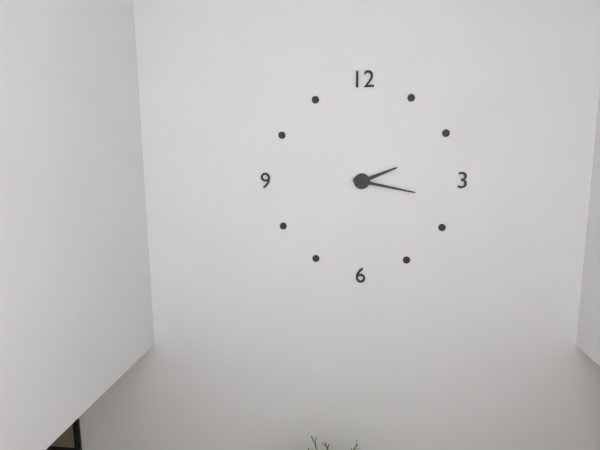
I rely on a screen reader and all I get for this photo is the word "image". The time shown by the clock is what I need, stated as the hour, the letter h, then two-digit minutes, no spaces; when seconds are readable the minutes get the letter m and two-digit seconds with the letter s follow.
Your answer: 2h17
